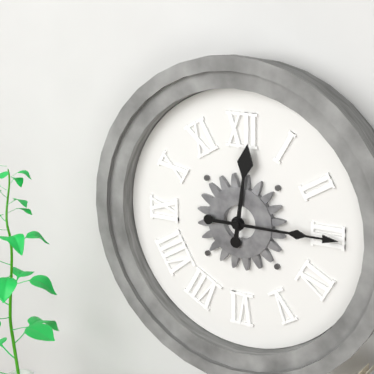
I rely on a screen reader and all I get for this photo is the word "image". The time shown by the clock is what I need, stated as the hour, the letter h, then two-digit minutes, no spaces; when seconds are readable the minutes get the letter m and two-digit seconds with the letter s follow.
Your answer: 12h15
